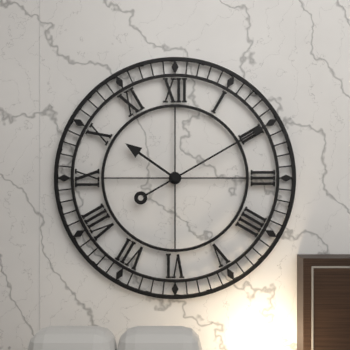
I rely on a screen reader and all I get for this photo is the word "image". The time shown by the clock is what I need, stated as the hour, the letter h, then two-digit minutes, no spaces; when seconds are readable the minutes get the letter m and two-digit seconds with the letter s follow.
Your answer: 10h10
